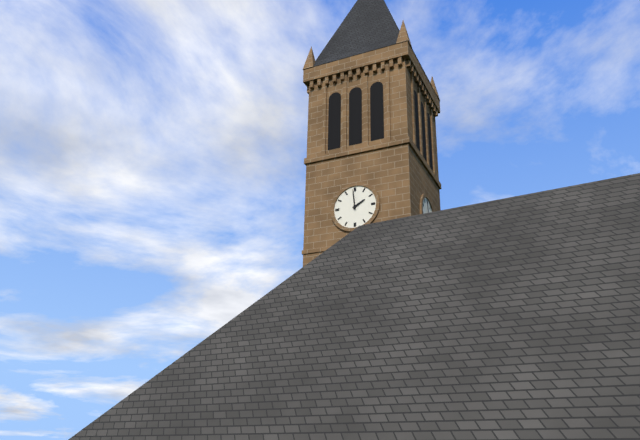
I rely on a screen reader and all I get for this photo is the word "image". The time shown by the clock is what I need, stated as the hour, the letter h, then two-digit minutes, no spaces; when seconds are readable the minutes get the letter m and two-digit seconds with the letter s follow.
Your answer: 1h59
